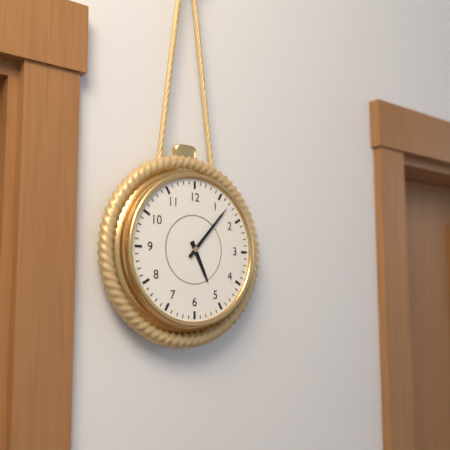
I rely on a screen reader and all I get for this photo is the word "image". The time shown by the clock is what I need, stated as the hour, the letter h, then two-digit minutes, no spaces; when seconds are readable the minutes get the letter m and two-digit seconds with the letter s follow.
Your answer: 5h07
